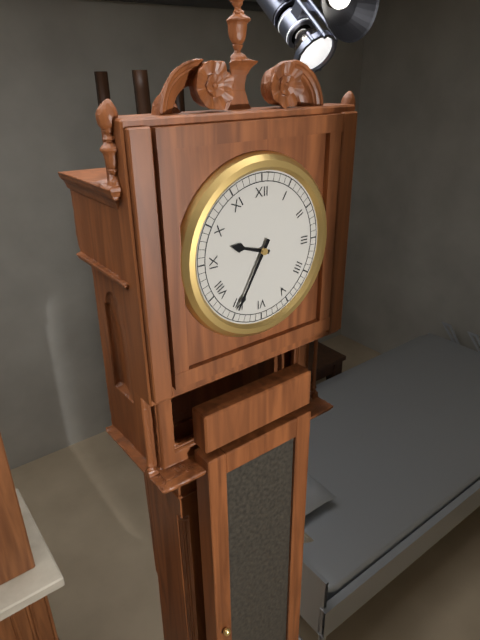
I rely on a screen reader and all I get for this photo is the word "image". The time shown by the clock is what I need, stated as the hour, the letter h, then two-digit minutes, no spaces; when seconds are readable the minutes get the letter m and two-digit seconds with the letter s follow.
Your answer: 9h35
